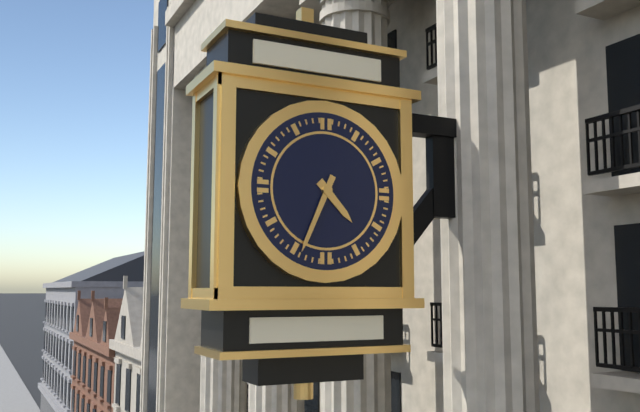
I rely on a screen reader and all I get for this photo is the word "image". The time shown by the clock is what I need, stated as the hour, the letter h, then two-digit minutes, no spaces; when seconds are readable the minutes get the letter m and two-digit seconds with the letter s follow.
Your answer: 4h34
